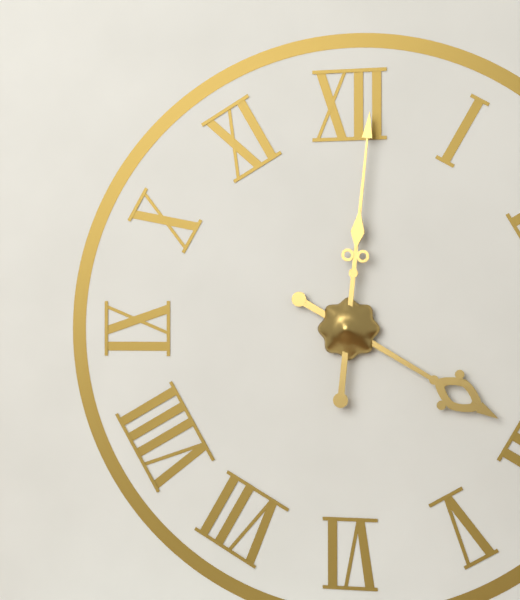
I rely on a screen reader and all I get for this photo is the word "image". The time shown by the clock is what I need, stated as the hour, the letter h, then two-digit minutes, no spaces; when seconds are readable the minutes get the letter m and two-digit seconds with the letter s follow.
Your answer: 4h01
